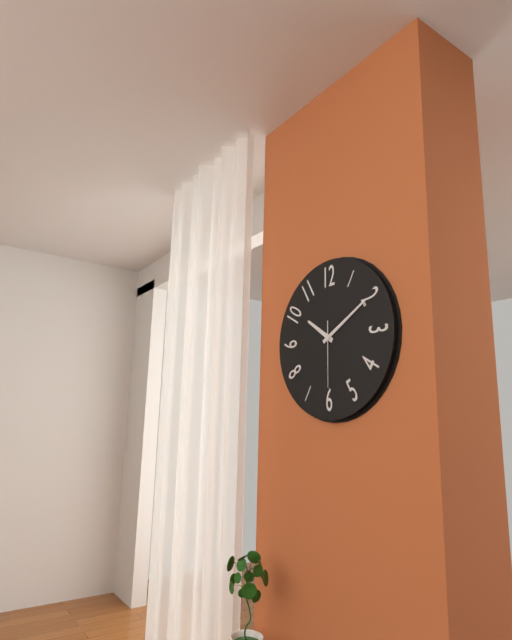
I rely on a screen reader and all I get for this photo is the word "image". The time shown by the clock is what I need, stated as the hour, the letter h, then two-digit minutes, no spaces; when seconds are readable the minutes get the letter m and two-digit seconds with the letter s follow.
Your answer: 10h10m30s
